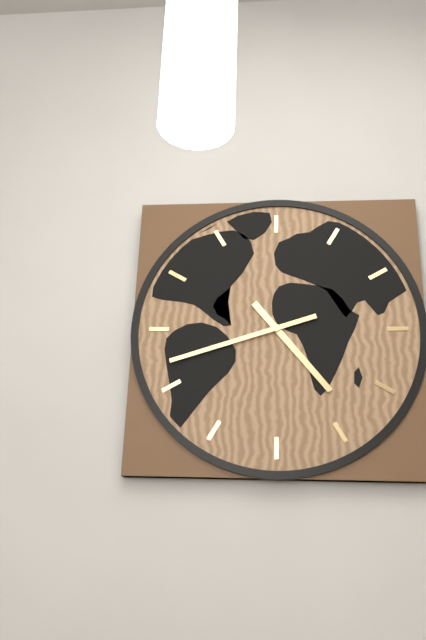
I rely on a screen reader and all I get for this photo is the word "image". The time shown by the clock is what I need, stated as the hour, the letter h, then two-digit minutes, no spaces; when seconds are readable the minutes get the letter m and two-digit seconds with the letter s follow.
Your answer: 4h42
